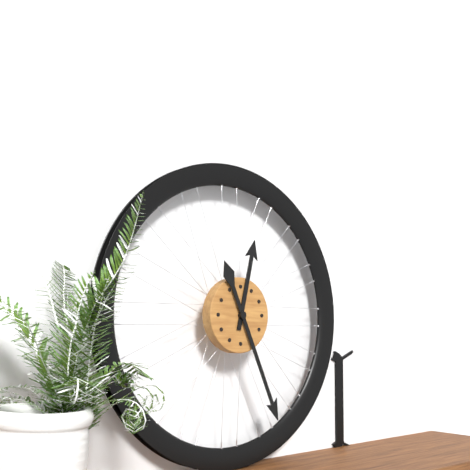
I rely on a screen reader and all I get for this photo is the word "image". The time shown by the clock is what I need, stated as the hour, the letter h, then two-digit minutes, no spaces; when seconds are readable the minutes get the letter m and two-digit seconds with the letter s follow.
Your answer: 12h26
